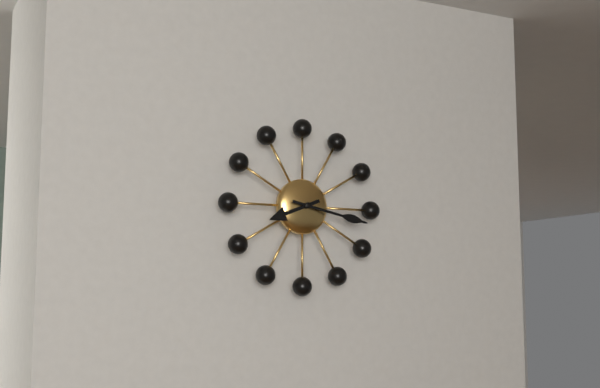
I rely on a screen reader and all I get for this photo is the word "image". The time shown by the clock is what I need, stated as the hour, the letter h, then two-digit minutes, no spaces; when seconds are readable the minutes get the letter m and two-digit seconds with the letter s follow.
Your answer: 8h17
